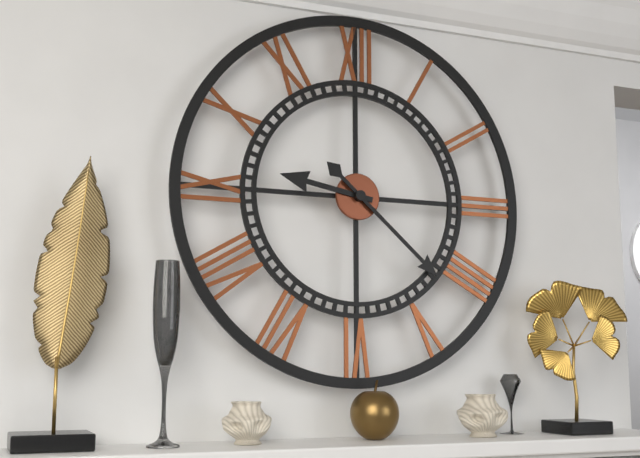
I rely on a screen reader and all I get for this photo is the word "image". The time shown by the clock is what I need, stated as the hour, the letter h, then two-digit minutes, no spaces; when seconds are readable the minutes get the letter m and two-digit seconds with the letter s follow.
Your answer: 9h22
